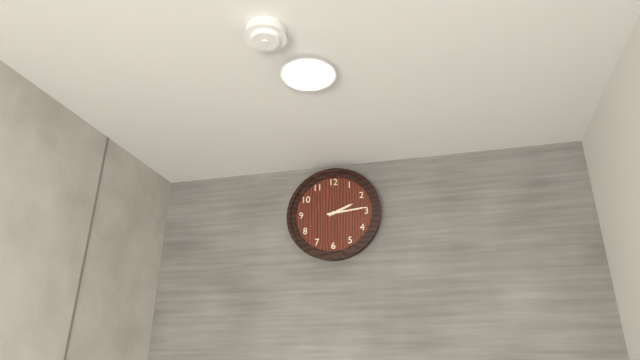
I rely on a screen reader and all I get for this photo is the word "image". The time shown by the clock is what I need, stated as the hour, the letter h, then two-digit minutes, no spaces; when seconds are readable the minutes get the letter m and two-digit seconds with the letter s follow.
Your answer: 2h14
